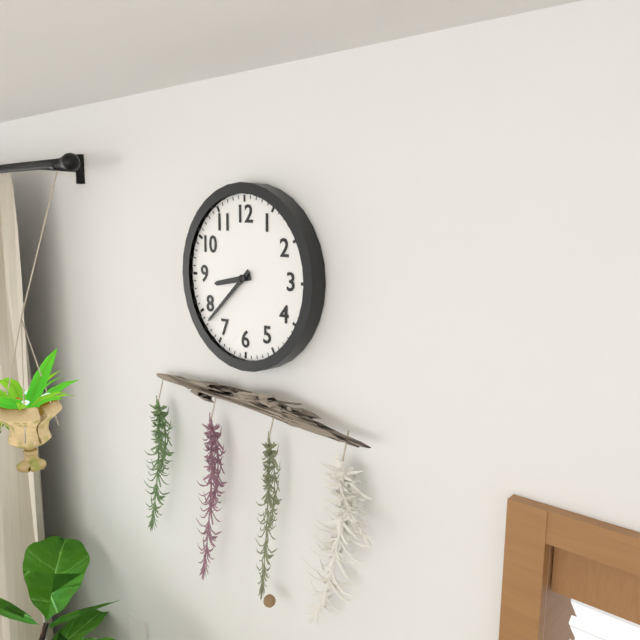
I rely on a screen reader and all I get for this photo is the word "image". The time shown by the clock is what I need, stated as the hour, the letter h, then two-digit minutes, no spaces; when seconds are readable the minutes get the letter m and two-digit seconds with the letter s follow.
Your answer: 8h38
